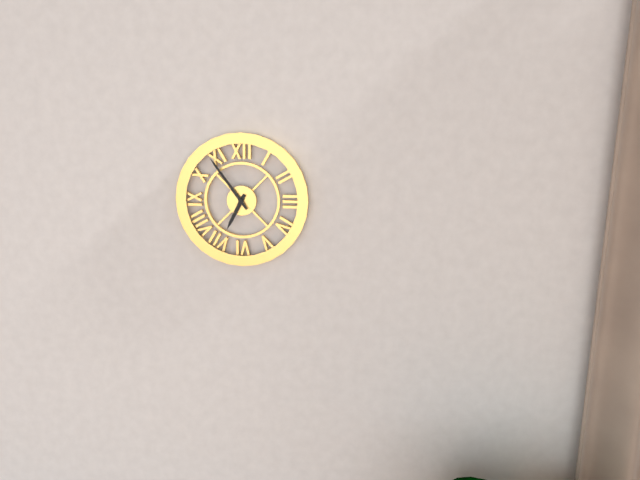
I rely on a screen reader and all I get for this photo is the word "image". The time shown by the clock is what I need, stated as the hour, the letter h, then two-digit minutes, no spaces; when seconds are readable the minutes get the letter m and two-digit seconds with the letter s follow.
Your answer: 6h54
